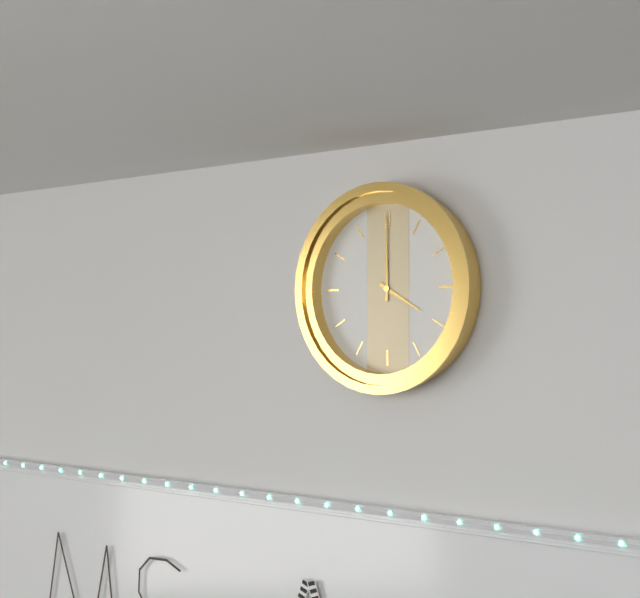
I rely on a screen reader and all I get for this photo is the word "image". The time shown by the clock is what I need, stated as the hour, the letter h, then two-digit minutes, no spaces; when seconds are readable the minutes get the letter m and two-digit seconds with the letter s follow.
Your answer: 4h00
